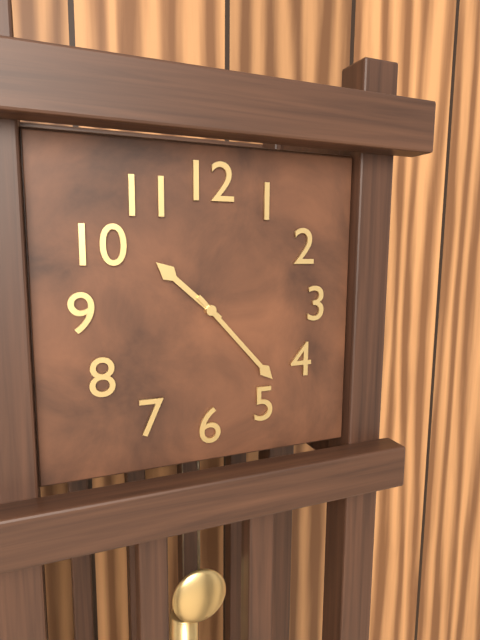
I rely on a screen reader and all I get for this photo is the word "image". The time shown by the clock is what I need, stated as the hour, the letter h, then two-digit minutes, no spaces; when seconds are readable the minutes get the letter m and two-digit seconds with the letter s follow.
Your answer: 10h23
